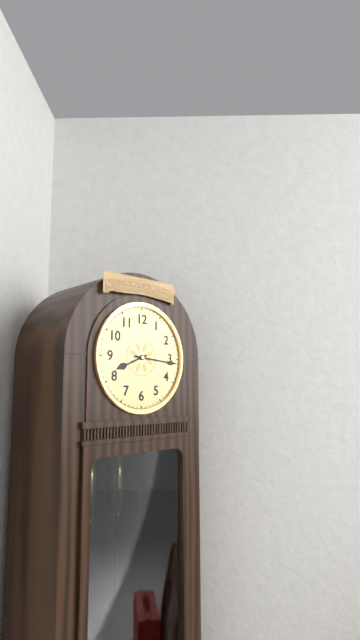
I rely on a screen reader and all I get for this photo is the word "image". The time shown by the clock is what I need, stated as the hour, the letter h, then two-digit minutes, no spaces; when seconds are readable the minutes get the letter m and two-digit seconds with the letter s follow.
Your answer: 8h16
